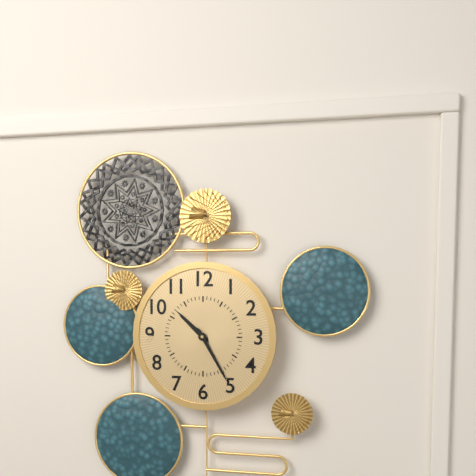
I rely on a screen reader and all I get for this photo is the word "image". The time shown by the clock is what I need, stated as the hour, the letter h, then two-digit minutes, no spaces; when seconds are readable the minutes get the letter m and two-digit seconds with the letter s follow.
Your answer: 10h25
